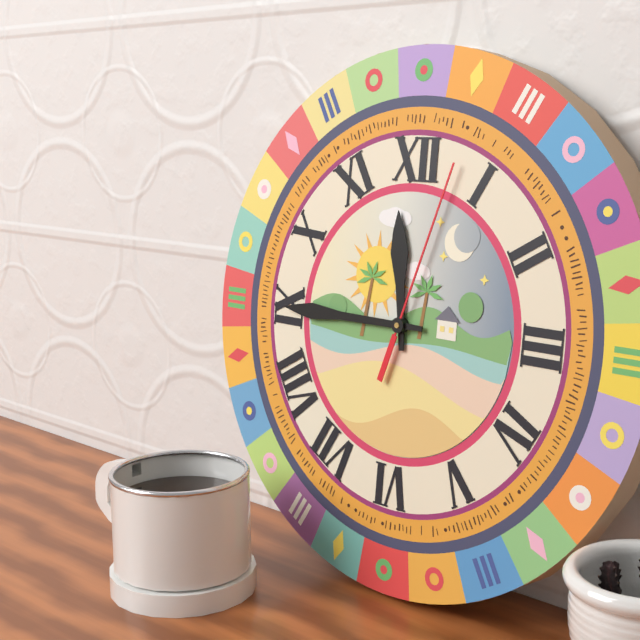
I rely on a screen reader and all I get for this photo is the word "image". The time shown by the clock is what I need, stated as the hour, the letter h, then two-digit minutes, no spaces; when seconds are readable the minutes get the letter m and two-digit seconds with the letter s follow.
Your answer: 11h45m03s
